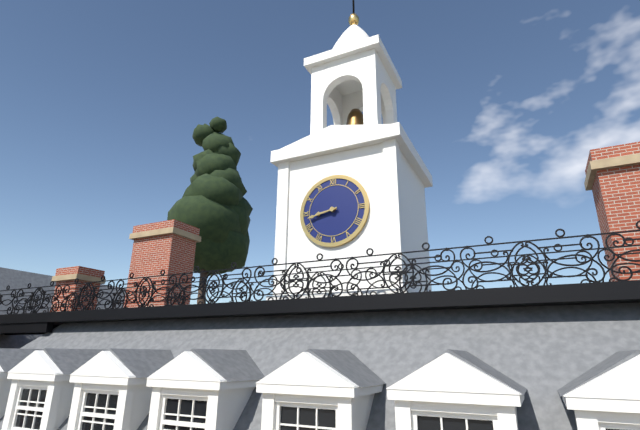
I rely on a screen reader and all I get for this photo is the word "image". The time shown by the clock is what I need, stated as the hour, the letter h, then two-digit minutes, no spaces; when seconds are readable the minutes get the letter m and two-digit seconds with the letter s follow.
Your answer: 8h43
